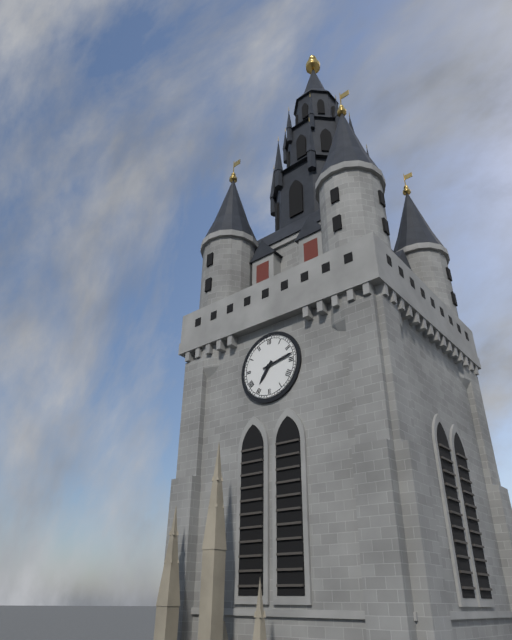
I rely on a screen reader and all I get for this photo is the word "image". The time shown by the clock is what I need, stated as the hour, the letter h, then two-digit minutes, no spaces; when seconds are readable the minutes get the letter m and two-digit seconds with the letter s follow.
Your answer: 7h13
